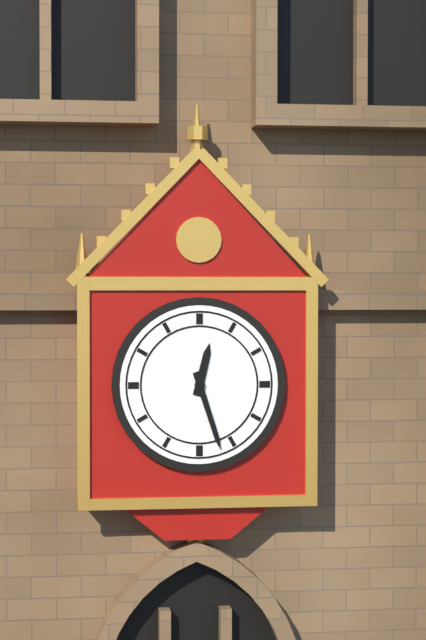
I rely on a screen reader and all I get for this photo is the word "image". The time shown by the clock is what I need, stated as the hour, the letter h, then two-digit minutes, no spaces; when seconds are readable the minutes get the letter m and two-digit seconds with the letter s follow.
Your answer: 12h27
